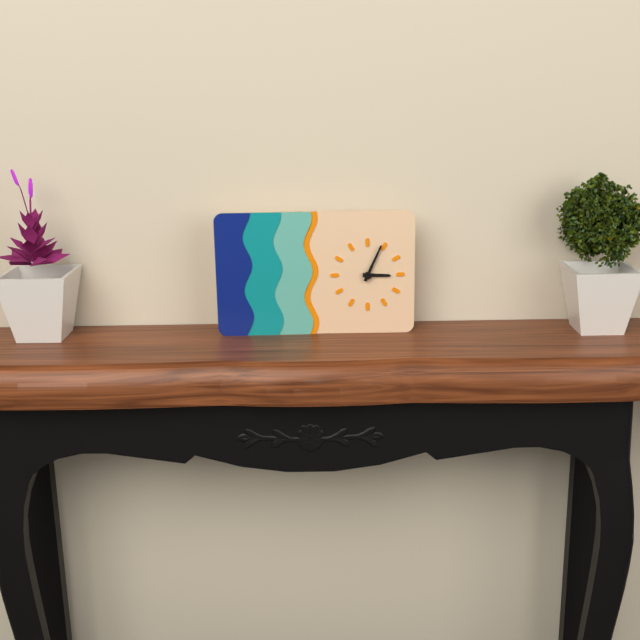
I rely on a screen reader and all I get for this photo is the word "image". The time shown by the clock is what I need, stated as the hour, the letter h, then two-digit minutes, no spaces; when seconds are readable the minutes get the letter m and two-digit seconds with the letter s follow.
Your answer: 3h04
